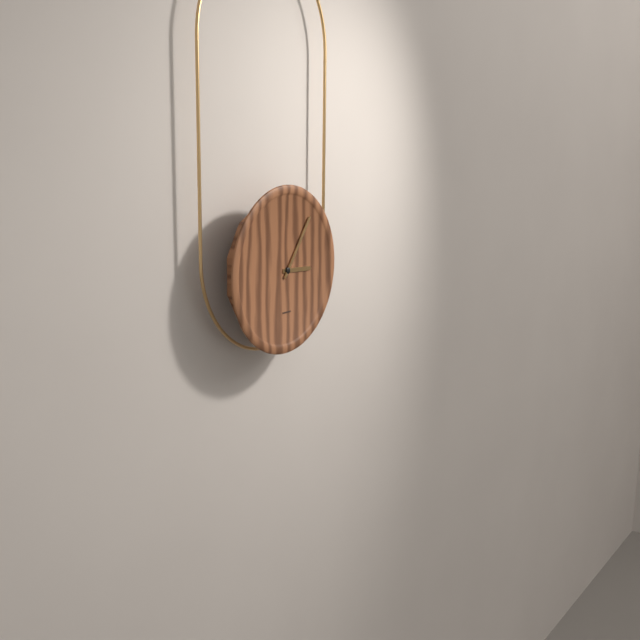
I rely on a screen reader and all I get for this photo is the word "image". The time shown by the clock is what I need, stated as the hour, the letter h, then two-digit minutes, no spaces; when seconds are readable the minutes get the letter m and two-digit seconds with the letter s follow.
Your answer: 3h06
